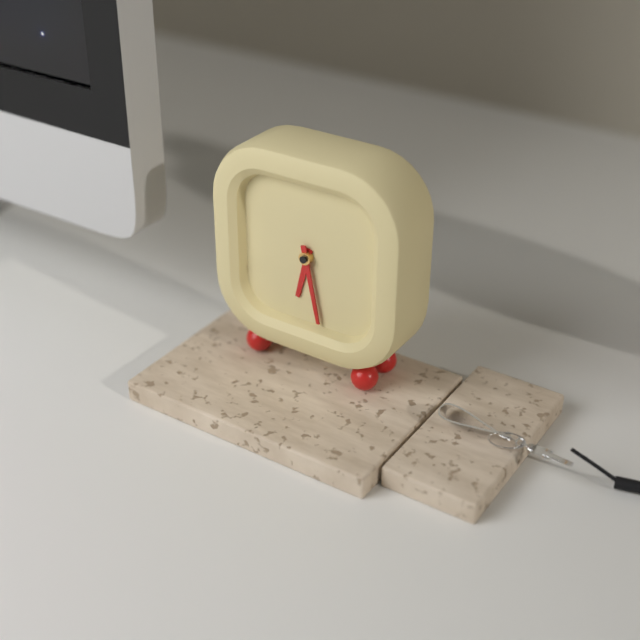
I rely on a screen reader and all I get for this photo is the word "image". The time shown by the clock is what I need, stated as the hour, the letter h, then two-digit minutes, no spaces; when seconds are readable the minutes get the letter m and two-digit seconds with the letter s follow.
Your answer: 6h28
